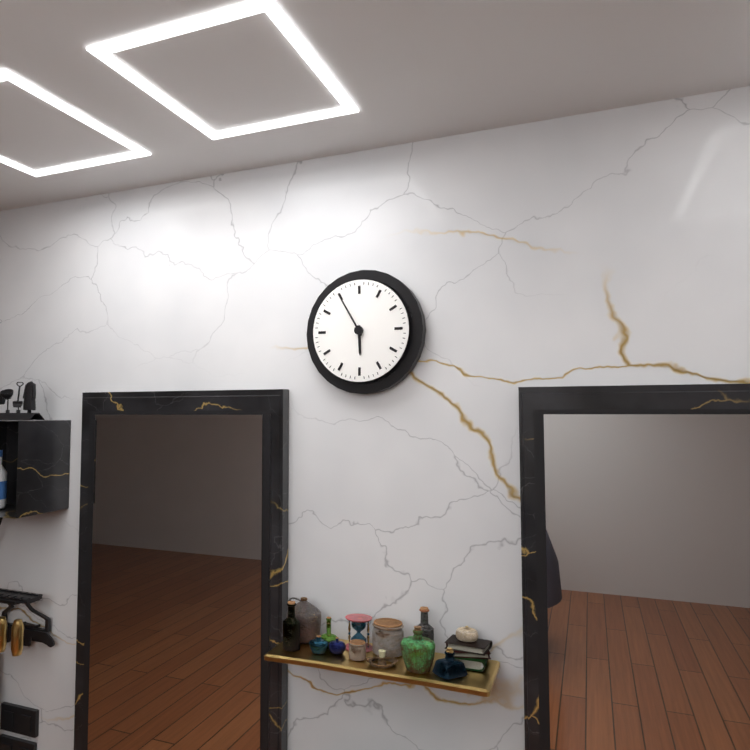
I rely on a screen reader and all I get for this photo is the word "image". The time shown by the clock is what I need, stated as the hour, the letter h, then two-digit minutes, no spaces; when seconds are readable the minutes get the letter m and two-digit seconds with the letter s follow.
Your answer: 5h55
